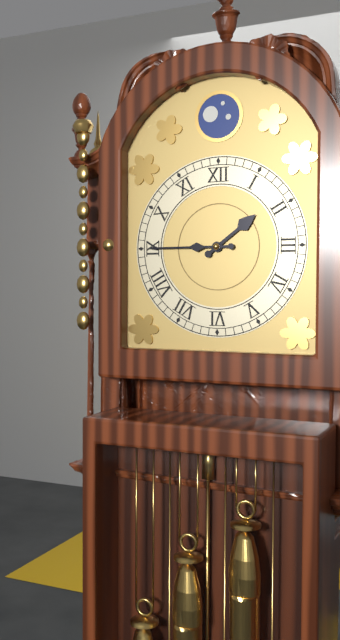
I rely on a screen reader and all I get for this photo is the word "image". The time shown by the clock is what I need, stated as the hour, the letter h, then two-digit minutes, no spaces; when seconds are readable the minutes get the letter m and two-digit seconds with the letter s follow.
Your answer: 1h45
